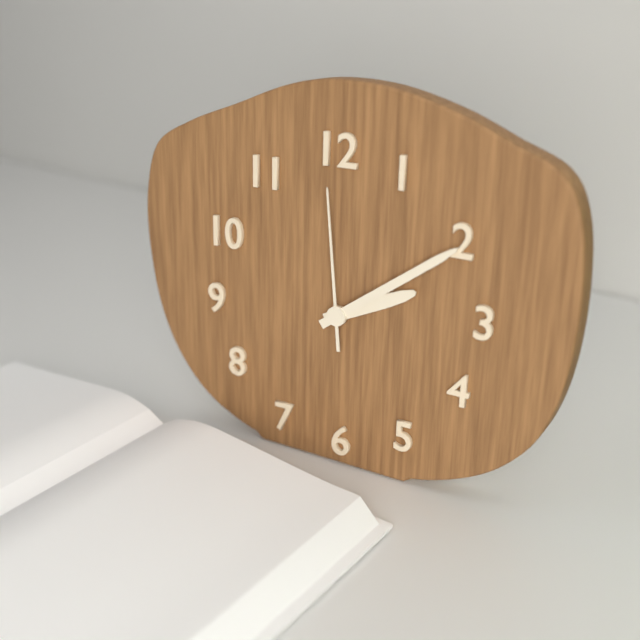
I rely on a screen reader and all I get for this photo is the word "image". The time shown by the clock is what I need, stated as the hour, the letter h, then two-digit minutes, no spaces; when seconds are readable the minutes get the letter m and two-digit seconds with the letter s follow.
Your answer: 2h09m59s
